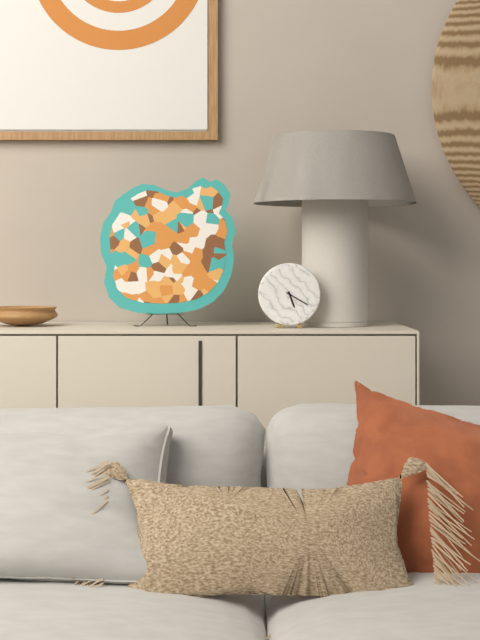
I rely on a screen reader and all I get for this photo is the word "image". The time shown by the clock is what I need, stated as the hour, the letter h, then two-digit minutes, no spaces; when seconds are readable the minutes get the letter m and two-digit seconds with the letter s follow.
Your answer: 5h20
